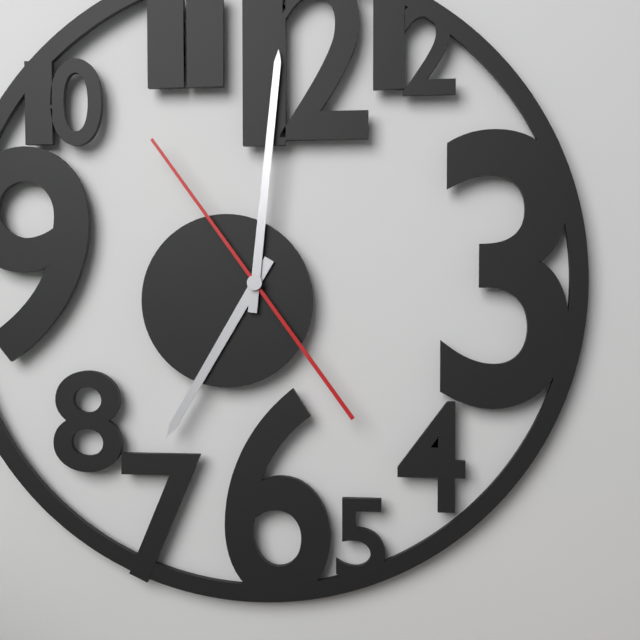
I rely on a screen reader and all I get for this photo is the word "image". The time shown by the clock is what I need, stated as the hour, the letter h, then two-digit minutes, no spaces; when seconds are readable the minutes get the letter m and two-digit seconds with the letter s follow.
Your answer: 7h01m54s
